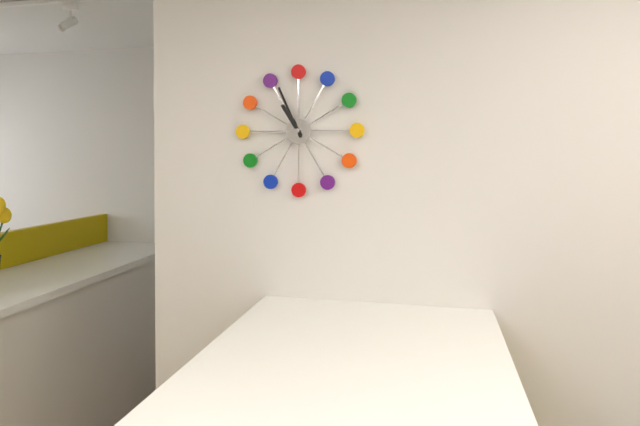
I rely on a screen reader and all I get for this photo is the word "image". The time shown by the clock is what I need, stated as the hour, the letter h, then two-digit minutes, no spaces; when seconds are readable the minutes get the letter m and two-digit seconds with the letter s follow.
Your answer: 10h56
